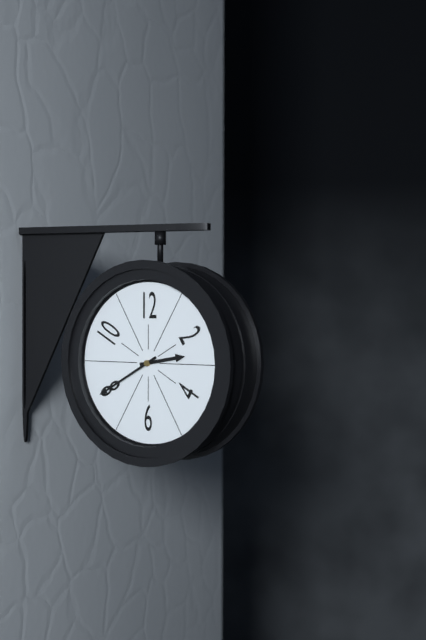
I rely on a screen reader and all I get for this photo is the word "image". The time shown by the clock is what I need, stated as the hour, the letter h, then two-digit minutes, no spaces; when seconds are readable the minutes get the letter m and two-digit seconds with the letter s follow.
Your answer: 2h40
